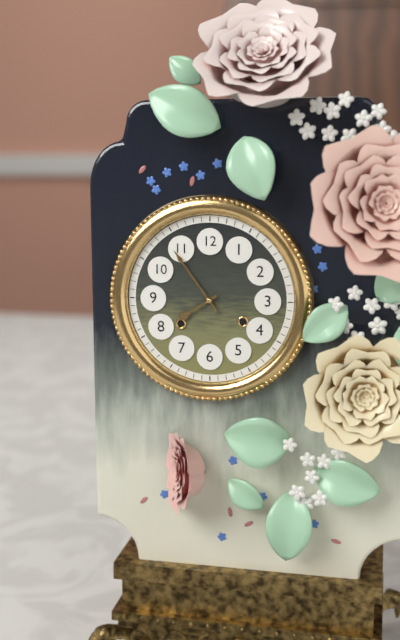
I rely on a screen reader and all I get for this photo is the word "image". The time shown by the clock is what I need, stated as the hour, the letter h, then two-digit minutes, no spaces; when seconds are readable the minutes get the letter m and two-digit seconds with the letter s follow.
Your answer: 7h54
